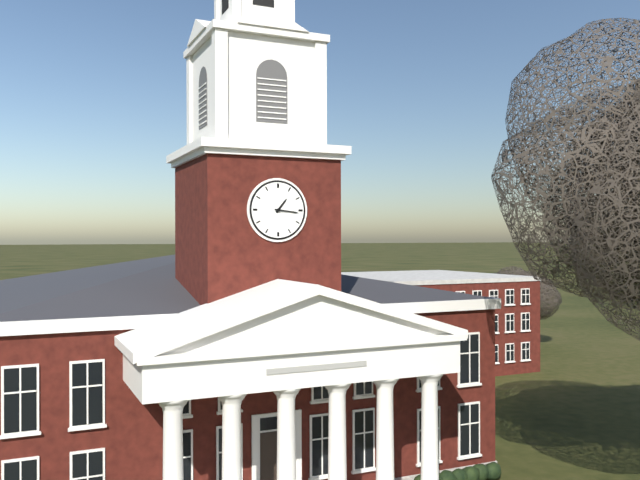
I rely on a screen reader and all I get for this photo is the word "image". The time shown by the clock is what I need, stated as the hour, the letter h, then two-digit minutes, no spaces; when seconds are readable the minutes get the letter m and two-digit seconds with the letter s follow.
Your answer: 1h16
